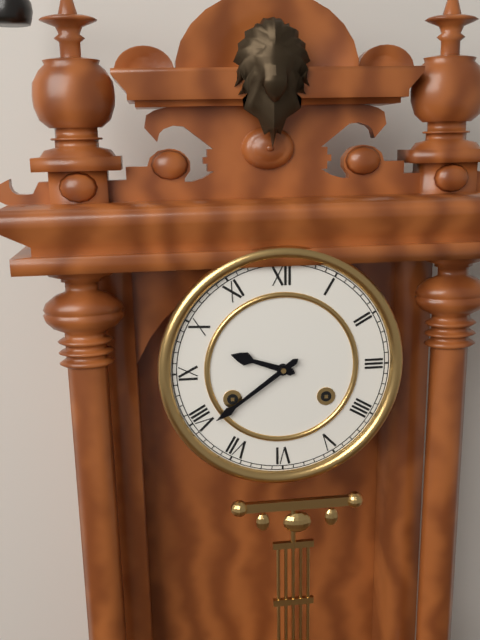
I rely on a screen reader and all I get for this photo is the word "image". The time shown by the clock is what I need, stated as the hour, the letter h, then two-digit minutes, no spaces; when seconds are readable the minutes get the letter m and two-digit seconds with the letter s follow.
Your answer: 9h39
